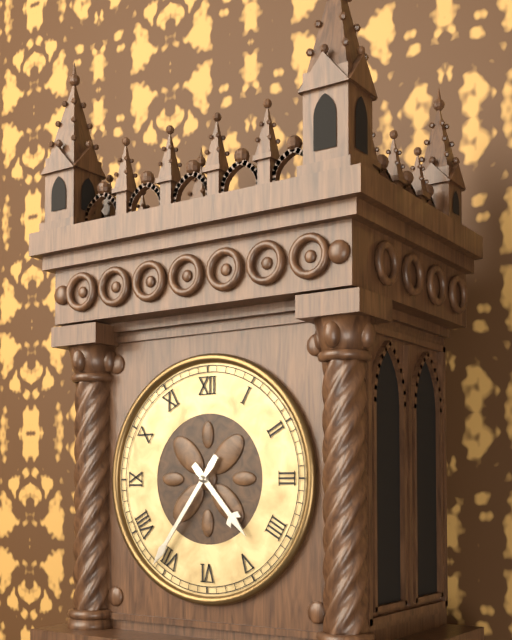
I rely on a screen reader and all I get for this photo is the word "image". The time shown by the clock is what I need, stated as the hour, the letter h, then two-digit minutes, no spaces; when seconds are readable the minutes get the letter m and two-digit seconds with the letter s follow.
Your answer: 4h36
